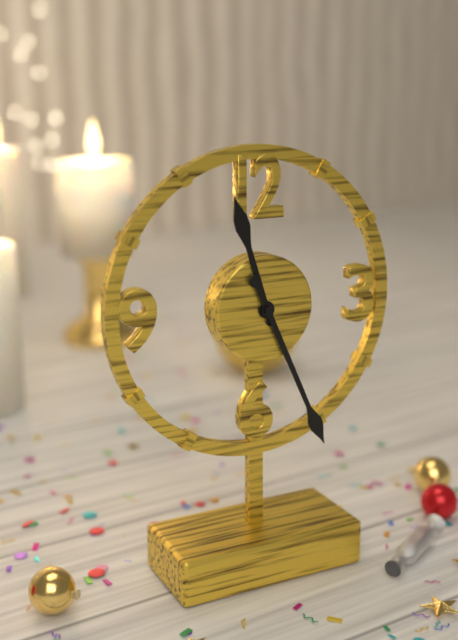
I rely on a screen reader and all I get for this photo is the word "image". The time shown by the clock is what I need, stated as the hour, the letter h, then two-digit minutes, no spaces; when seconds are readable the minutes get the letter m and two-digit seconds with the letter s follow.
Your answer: 11h26
